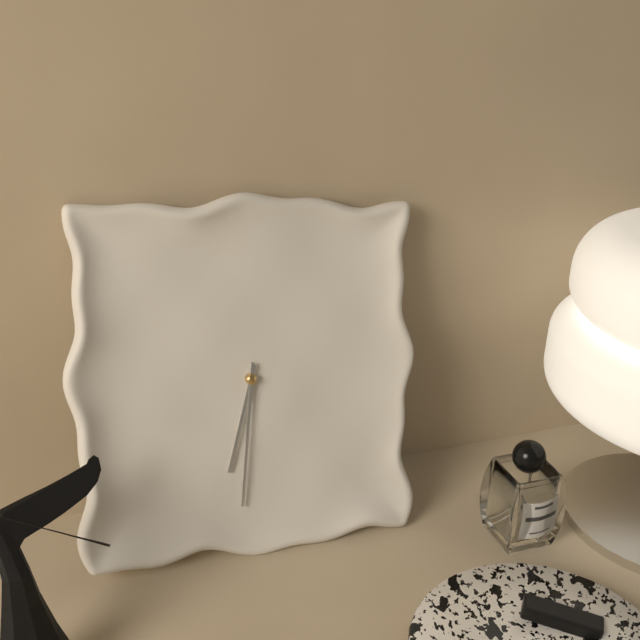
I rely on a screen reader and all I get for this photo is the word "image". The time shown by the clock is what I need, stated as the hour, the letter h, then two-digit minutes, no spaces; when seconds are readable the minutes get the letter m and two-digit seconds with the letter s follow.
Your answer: 6h31
